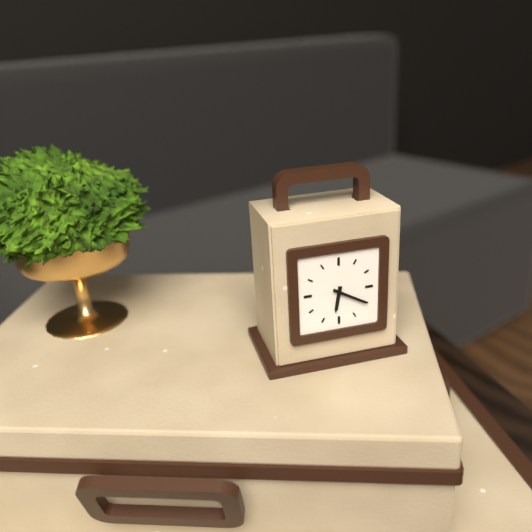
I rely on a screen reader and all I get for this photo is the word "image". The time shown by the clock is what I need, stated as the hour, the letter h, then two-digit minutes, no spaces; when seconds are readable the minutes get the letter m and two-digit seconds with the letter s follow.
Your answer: 6h20
